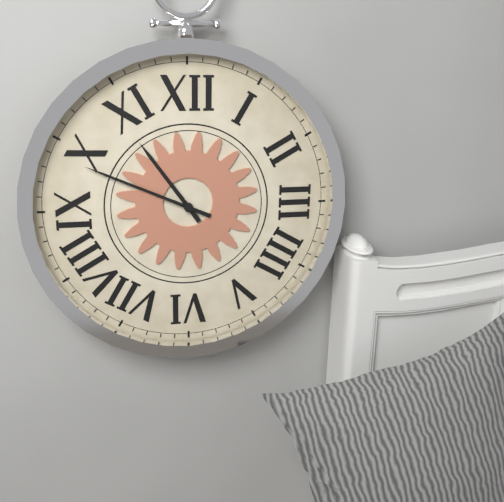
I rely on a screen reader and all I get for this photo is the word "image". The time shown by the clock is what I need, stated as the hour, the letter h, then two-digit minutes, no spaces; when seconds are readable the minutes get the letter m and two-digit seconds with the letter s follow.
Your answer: 10h49
